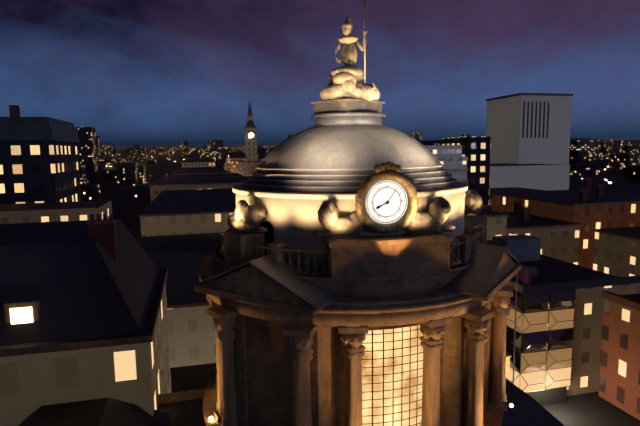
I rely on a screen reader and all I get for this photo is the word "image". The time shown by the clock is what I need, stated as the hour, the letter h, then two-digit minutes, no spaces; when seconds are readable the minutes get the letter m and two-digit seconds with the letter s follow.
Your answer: 8h06
